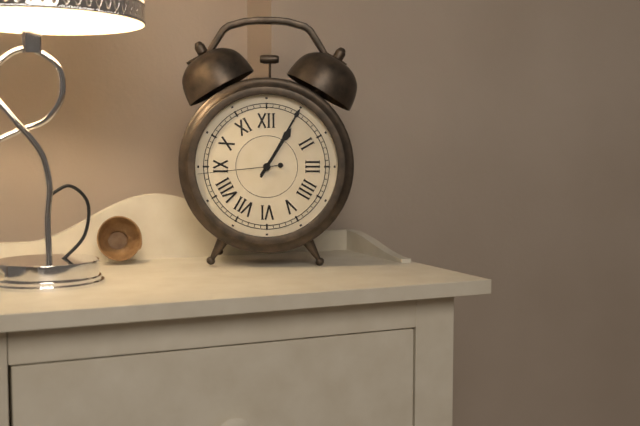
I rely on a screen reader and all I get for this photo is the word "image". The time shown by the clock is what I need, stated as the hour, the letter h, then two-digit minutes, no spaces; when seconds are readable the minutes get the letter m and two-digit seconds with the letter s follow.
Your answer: 1h05m44s
